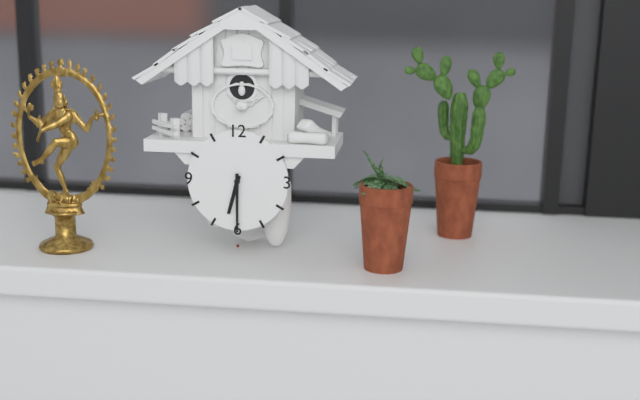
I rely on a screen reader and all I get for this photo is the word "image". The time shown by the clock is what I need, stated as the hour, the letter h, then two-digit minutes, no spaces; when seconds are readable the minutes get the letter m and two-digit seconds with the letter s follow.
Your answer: 6h30
